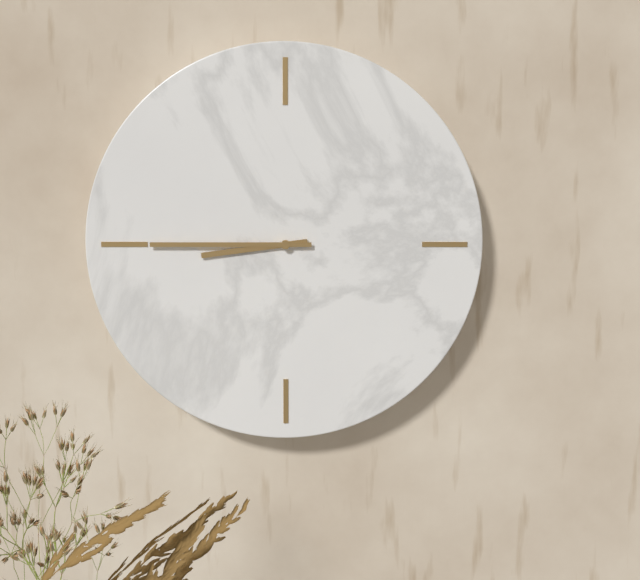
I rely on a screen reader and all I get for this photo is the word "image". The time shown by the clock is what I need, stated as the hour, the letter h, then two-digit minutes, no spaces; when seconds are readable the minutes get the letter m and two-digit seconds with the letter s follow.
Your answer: 8h45
